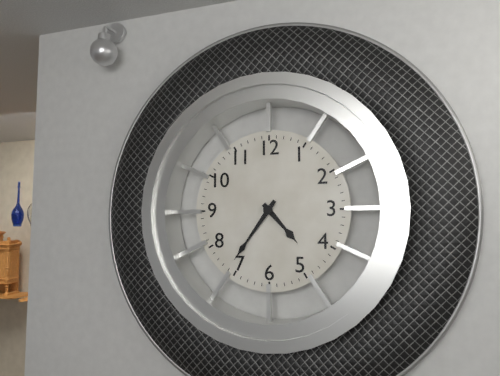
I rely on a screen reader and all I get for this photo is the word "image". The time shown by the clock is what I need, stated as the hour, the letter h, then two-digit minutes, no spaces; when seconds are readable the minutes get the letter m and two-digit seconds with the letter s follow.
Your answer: 4h36
